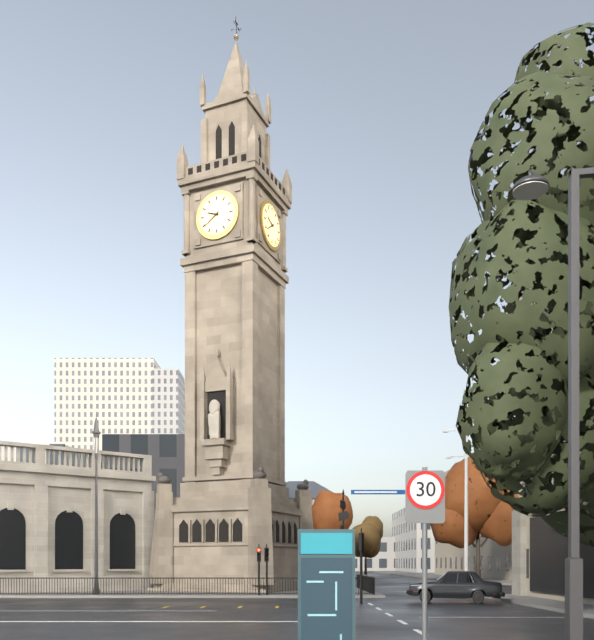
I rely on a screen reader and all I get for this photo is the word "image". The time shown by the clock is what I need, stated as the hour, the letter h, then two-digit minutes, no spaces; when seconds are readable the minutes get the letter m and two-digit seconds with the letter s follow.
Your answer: 9h39
